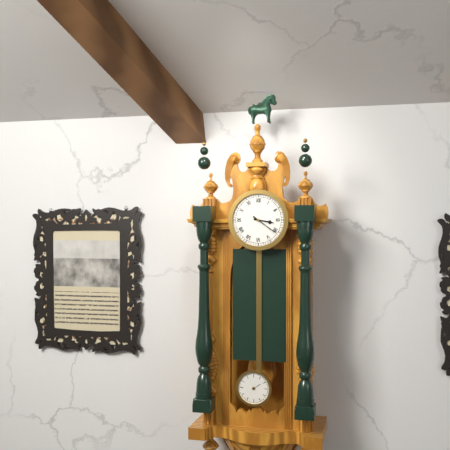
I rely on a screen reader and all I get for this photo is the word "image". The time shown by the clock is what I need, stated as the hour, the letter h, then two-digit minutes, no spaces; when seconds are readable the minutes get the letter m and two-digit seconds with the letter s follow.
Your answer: 3h21
